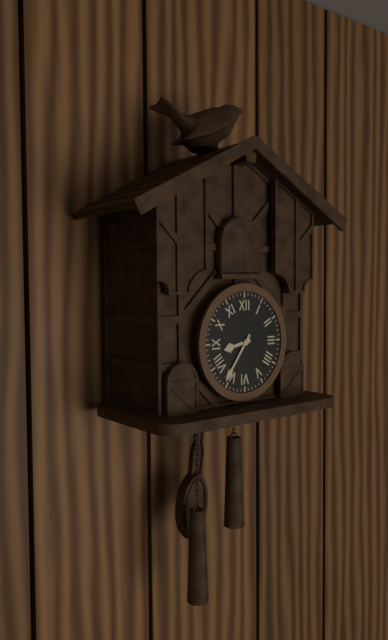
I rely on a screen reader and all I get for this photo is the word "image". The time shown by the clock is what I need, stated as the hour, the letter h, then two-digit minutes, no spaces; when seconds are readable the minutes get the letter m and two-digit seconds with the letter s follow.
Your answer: 8h36
